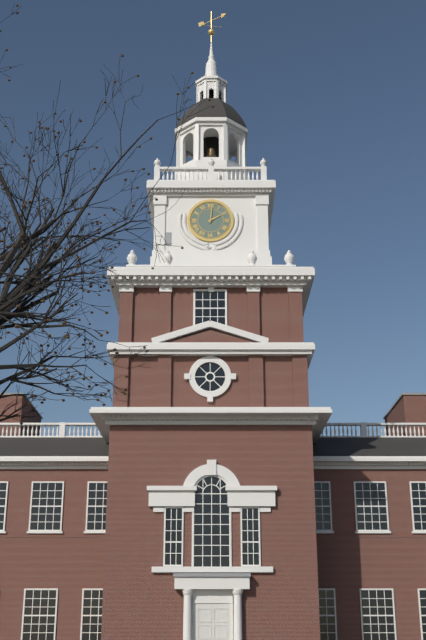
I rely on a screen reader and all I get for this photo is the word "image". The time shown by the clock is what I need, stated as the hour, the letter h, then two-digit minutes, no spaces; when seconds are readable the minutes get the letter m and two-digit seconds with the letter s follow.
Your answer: 2h01
